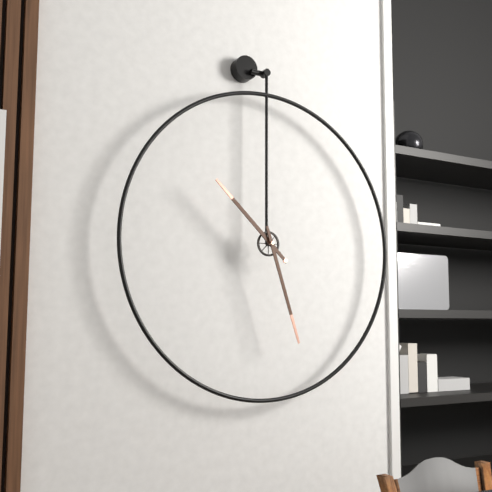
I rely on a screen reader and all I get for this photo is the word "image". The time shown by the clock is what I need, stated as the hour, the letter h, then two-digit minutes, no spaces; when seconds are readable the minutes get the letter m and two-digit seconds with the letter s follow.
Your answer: 10h27
